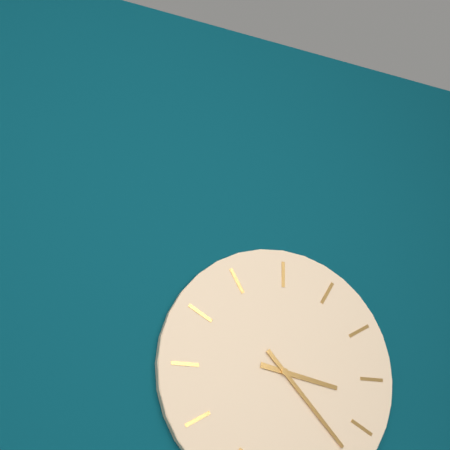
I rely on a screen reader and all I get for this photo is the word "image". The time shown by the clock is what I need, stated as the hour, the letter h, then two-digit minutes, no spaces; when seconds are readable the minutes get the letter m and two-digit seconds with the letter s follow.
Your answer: 3h23
